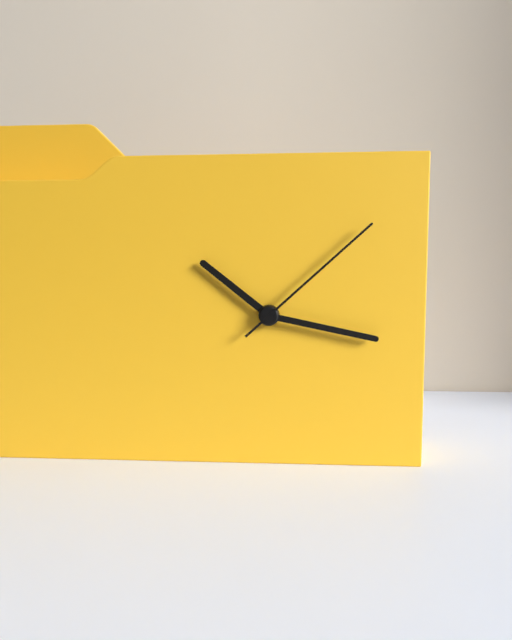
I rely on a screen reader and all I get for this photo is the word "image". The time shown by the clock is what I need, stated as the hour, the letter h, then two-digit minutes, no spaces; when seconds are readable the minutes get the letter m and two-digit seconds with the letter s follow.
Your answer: 10h17m08s
